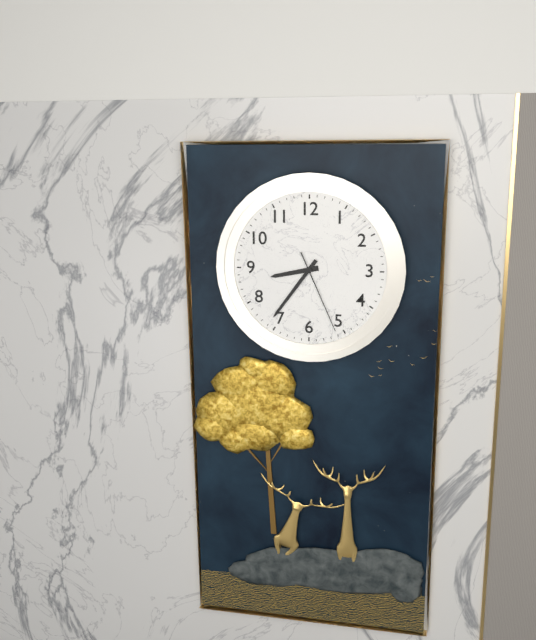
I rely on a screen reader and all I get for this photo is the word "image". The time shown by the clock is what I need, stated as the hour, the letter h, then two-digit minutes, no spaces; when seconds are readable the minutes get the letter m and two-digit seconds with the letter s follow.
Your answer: 8h36m26s
